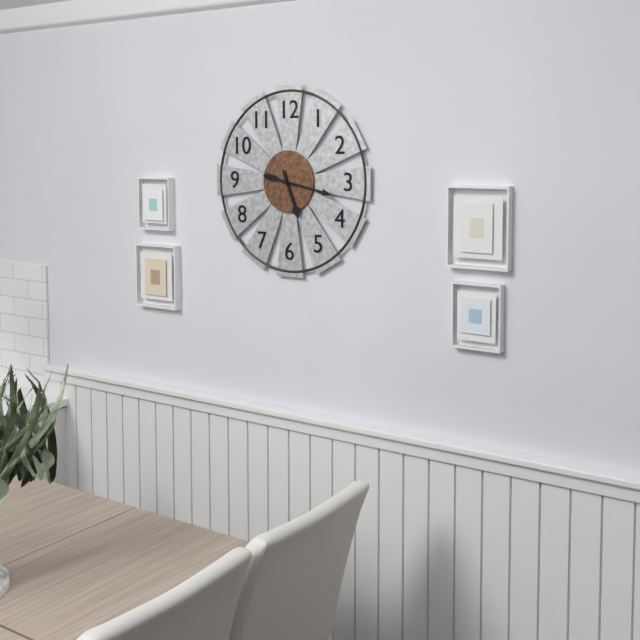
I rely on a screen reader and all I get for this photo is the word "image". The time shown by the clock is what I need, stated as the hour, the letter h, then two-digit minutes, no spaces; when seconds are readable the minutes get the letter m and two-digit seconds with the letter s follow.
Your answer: 5h17
